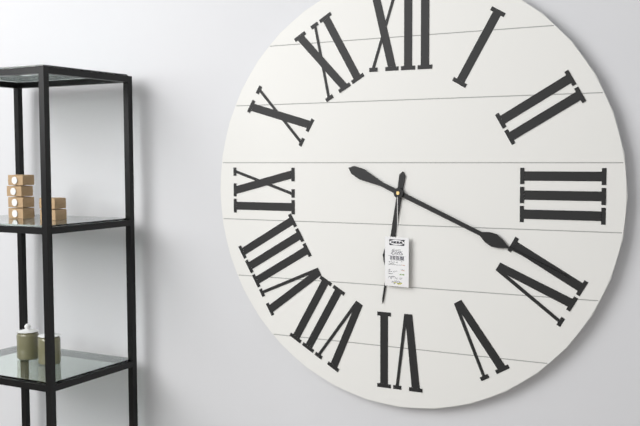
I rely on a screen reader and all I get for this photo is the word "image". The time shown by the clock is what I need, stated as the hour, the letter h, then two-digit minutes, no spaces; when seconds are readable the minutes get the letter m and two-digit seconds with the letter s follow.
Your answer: 6h19
